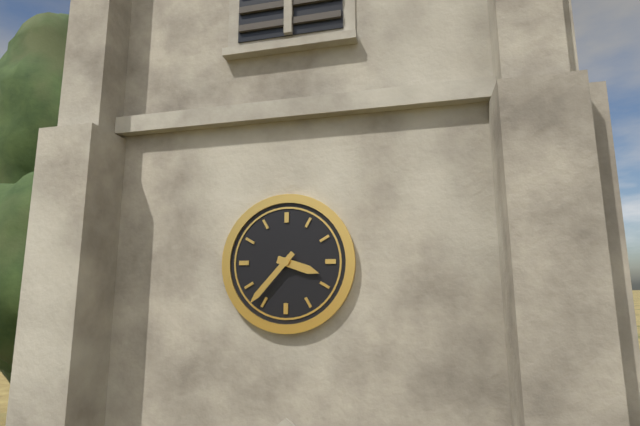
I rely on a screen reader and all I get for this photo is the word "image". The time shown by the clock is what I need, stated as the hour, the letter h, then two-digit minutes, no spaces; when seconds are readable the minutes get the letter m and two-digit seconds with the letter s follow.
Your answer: 3h37
